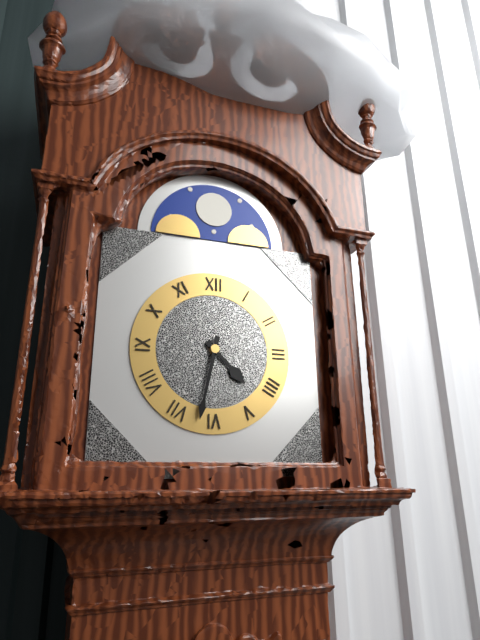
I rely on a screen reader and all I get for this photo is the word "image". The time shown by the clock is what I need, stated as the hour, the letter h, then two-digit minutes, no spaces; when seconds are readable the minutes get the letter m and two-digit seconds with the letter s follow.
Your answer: 4h32
